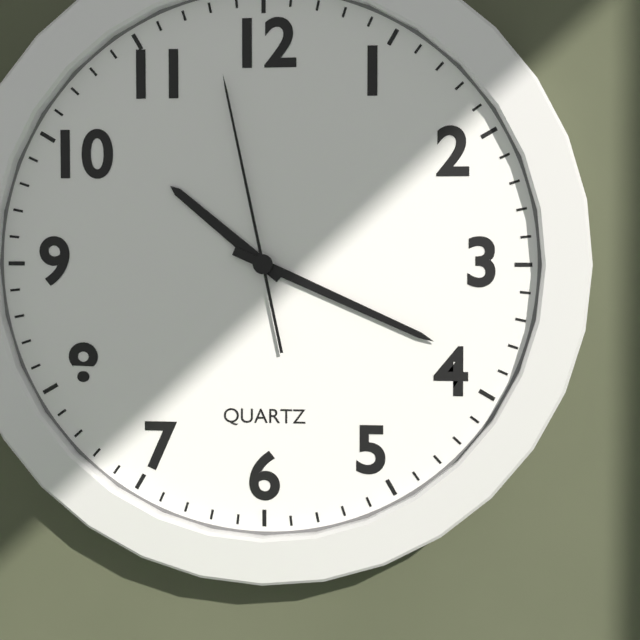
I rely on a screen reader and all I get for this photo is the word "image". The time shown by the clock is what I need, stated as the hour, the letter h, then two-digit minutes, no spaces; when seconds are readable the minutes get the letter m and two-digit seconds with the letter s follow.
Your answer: 10h19m58s
